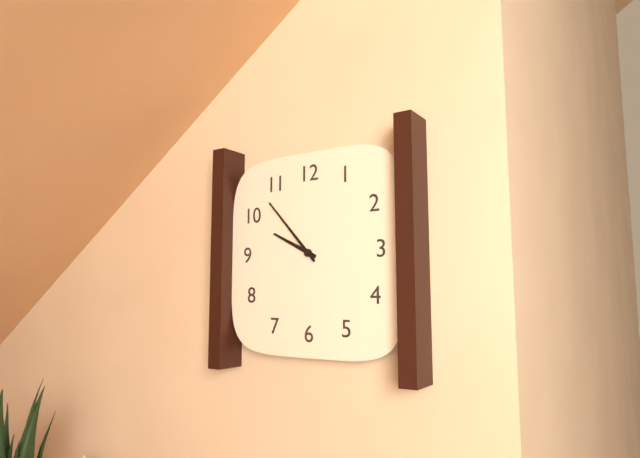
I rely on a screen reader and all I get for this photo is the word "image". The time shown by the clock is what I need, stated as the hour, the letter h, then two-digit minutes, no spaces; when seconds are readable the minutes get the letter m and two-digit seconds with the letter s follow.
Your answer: 9h53
